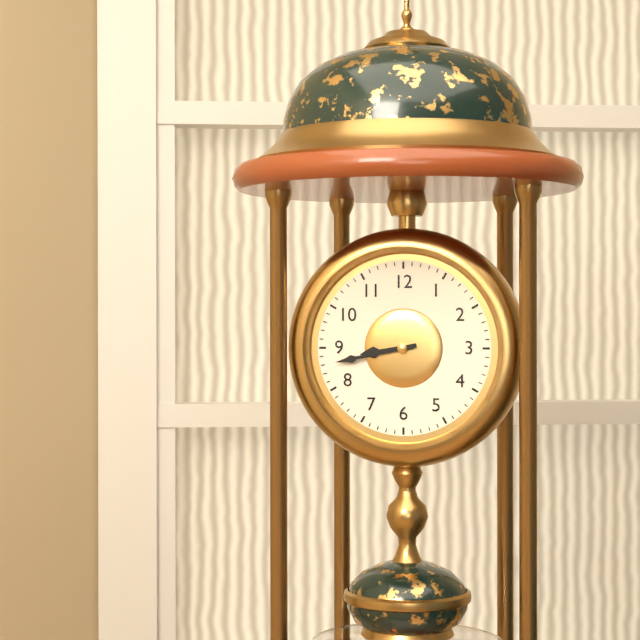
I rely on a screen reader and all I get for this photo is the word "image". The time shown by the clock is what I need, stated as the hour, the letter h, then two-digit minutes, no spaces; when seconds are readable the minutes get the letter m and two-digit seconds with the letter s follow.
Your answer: 8h43
